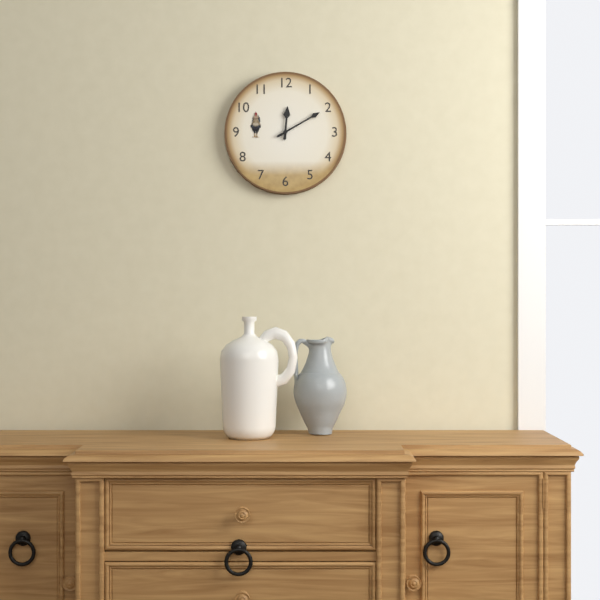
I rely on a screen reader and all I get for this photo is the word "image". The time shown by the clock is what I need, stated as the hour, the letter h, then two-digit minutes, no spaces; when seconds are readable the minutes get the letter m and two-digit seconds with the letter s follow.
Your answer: 12h10
